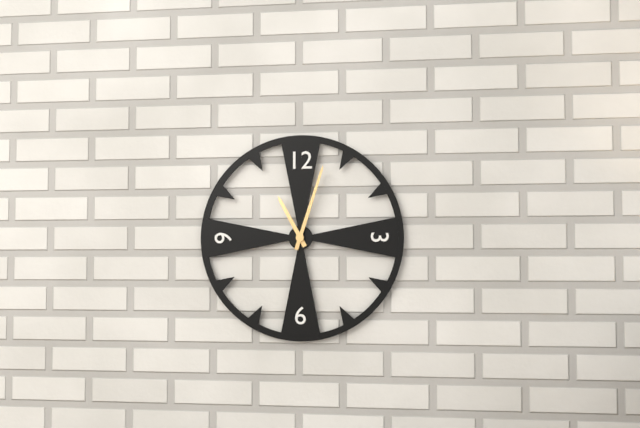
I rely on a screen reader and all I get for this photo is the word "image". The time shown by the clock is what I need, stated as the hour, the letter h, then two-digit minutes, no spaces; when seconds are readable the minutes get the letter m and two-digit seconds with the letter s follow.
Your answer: 11h03
